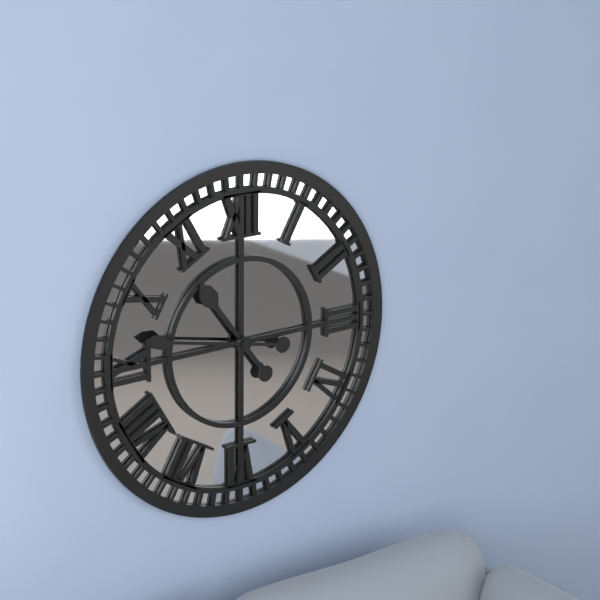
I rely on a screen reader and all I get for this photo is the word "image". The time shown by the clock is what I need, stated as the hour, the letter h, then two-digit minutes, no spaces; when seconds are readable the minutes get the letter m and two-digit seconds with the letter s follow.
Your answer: 10h47
